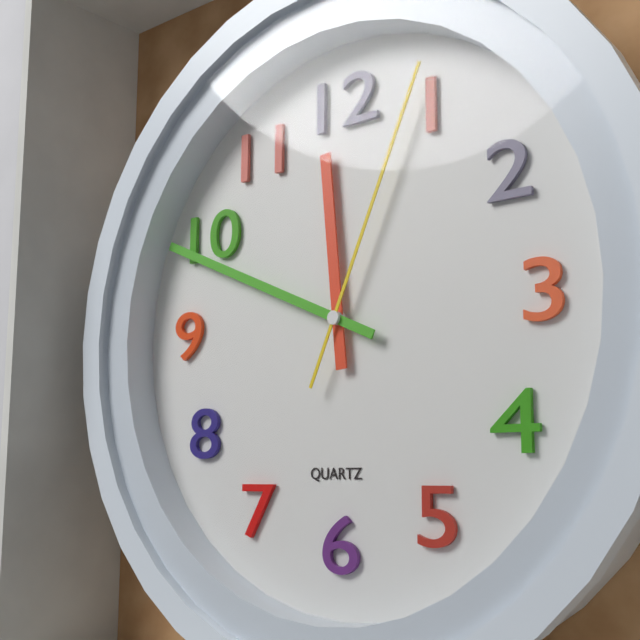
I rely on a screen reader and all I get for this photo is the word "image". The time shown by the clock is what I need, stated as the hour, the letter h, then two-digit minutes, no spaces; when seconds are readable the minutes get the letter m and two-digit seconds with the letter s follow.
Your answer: 11h49m04s
